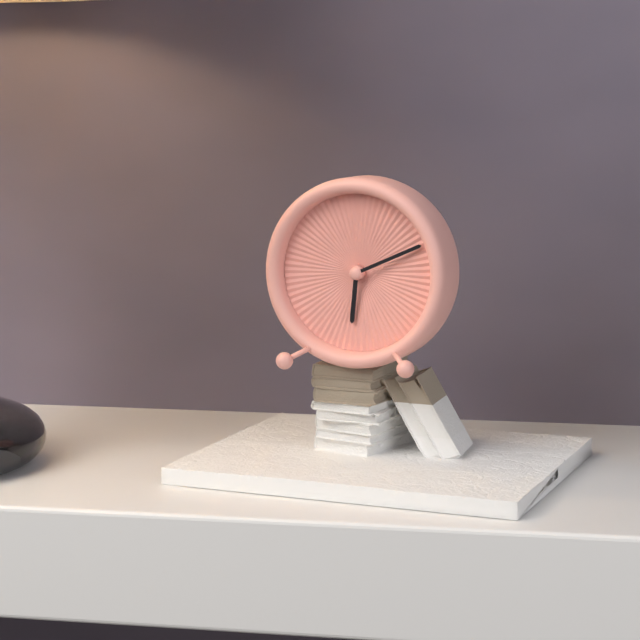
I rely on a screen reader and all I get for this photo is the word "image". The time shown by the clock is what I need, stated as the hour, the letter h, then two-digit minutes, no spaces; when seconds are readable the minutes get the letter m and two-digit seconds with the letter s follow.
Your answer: 6h11
